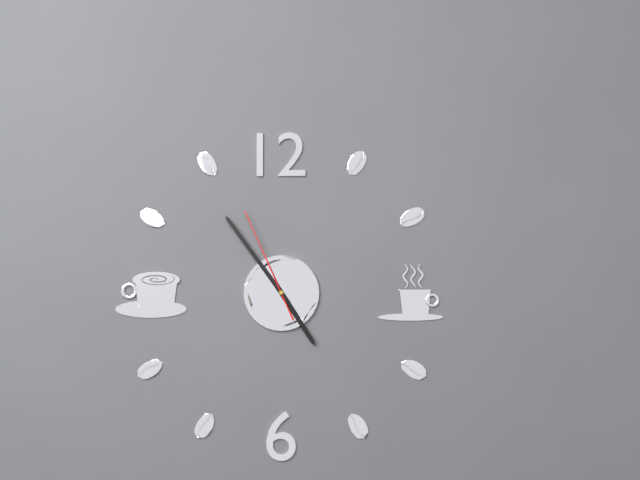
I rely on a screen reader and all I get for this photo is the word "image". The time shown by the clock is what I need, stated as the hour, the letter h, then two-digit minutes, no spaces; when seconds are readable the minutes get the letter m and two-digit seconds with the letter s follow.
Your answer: 4h54m56s
